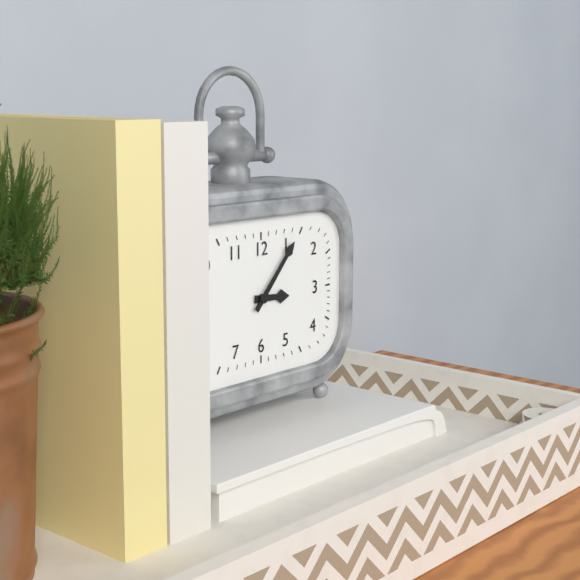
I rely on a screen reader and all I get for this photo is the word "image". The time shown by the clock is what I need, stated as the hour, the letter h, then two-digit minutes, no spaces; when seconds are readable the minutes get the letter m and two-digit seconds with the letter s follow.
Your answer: 3h07
